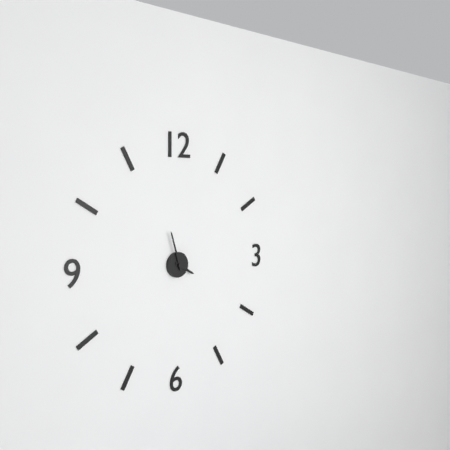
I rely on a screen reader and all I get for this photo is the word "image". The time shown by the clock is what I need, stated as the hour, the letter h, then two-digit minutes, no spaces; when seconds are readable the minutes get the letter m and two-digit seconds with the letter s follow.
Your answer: 3h57
